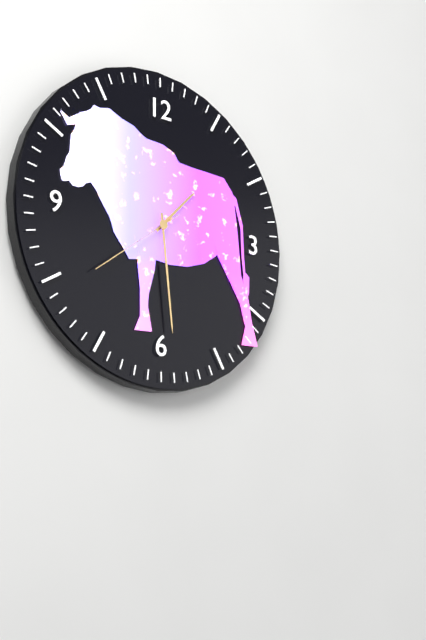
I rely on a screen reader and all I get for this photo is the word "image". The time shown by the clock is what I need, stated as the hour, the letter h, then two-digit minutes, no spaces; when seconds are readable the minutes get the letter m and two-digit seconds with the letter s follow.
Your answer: 1h29m39s
